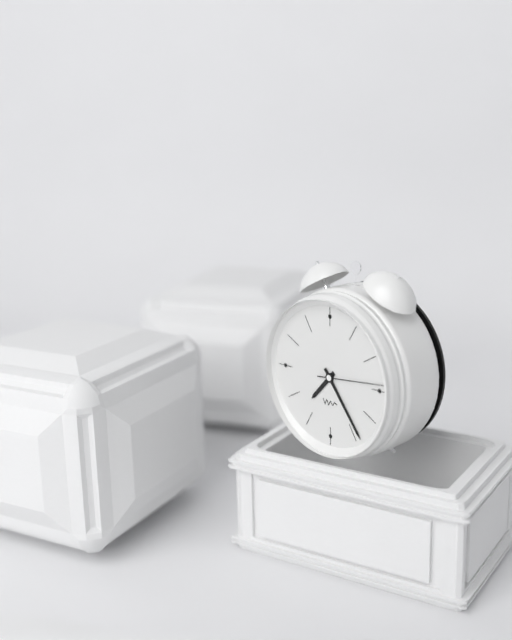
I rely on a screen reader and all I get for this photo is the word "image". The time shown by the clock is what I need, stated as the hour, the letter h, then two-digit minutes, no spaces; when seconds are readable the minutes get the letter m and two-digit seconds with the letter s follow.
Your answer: 7h24m14s
